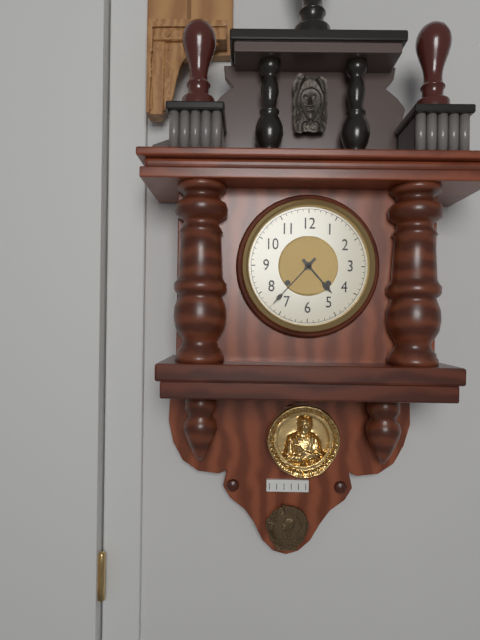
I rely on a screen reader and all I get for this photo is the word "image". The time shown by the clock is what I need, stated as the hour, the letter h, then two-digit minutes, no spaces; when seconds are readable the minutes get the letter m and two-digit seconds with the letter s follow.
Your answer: 4h37
